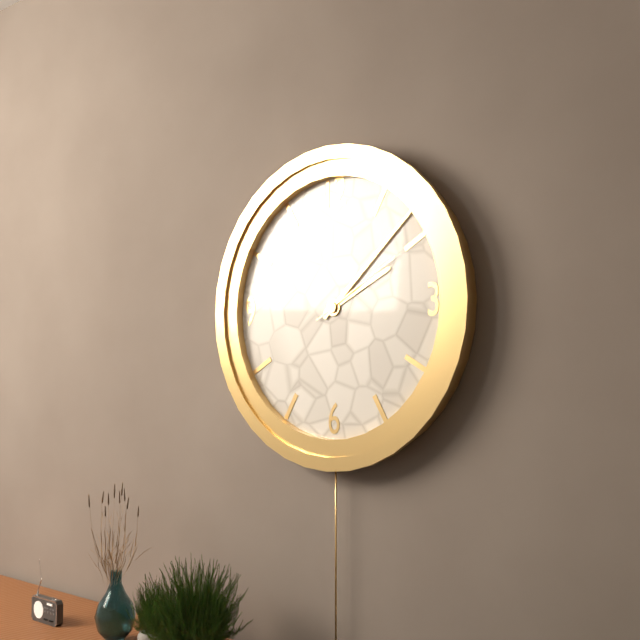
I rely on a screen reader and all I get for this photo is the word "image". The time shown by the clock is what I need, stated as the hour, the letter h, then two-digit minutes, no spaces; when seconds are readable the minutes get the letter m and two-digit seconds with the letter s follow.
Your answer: 2h08m10s
